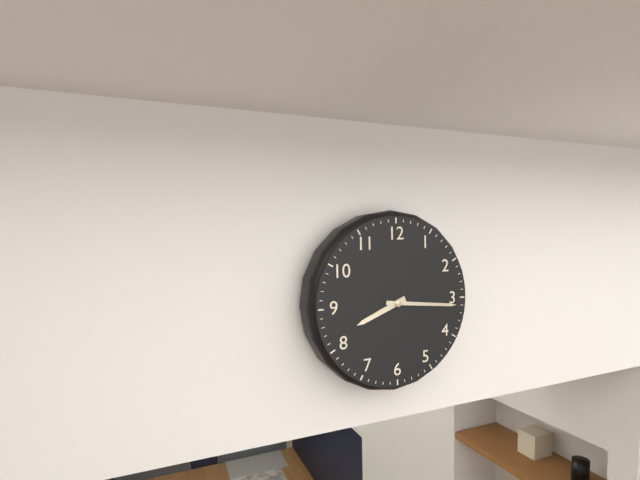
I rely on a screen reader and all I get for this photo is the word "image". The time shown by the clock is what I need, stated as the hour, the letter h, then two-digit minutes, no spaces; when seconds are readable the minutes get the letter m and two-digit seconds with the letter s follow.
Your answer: 8h16
